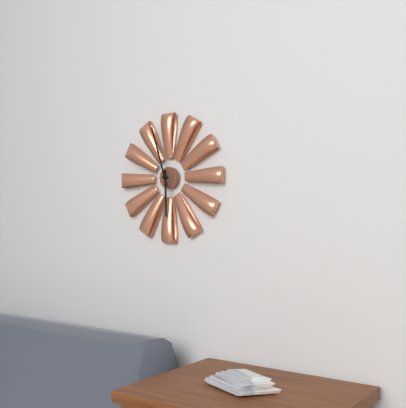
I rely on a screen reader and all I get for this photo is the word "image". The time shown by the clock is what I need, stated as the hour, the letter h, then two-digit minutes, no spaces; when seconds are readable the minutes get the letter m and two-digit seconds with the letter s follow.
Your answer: 5h57
